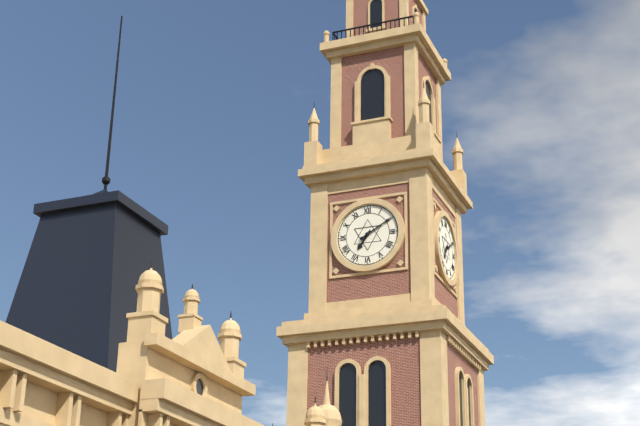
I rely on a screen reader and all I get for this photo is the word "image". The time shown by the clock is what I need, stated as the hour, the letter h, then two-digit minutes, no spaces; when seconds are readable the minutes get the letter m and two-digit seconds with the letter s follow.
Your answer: 7h10
